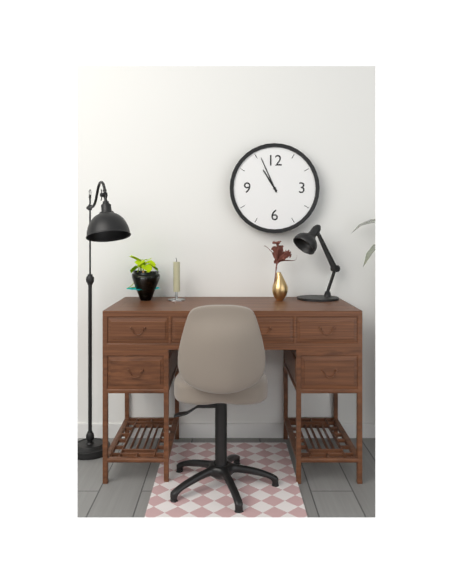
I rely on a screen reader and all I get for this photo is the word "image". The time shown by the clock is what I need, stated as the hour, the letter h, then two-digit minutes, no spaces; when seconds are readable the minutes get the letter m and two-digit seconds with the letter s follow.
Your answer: 10h56
